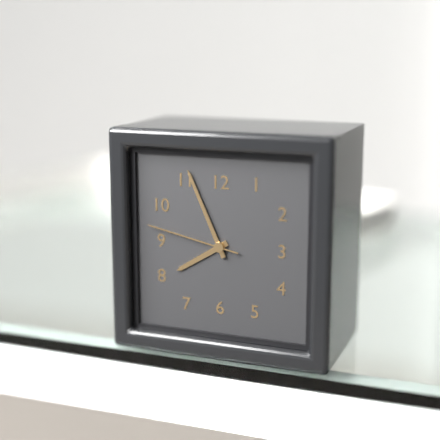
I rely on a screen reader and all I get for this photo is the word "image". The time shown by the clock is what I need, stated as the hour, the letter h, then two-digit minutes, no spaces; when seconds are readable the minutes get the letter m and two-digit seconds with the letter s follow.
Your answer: 7h56m47s
